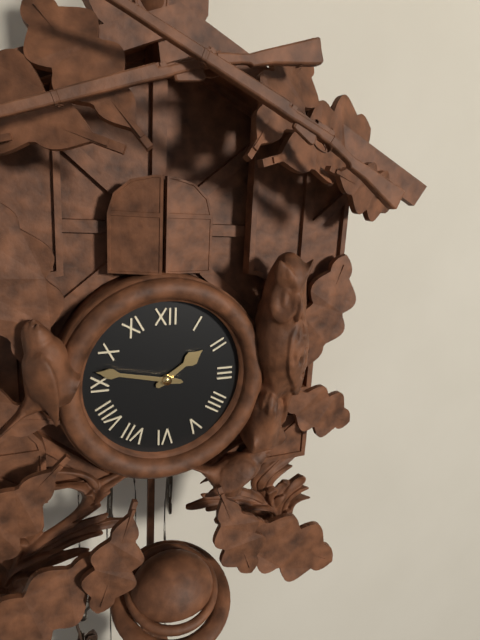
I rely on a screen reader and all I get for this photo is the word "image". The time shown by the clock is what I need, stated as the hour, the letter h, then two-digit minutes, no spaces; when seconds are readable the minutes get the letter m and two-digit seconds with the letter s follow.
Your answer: 1h47
